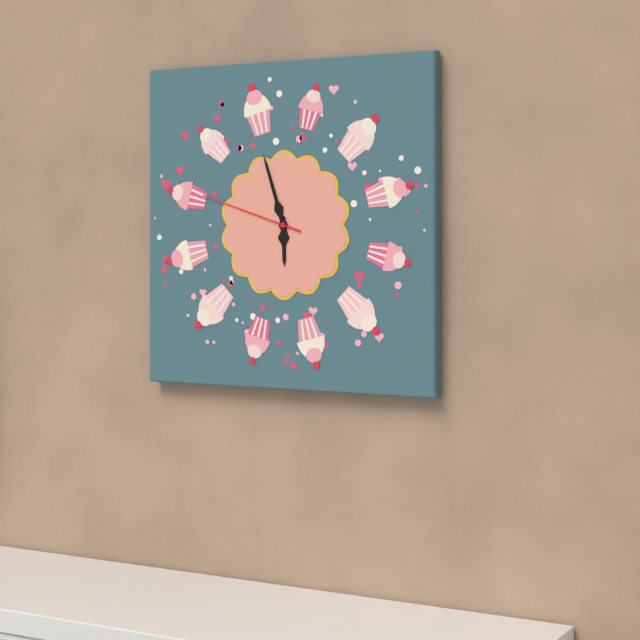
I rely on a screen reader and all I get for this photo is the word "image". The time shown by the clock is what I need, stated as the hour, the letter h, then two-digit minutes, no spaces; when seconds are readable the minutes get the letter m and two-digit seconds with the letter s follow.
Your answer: 5h57m48s
